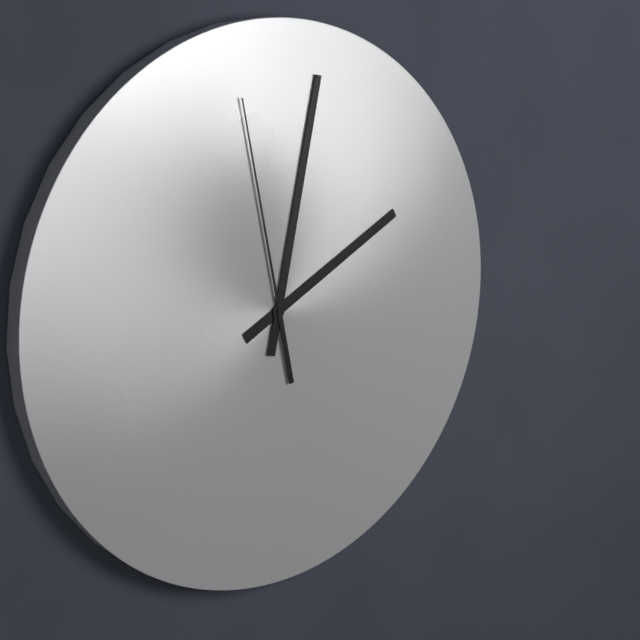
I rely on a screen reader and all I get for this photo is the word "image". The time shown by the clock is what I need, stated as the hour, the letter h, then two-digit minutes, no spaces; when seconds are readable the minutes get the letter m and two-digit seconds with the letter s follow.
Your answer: 2h02m58s
